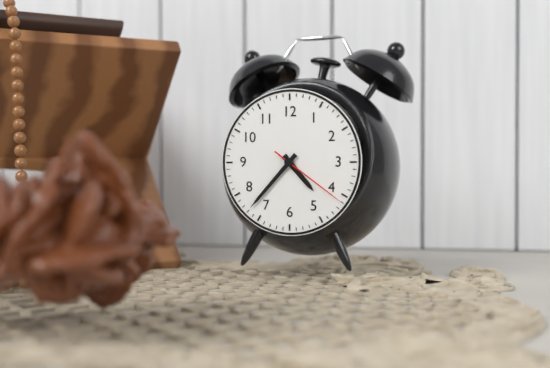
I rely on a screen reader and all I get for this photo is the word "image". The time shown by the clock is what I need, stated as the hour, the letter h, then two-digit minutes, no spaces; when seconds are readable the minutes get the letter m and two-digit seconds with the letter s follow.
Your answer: 4h37m21s
